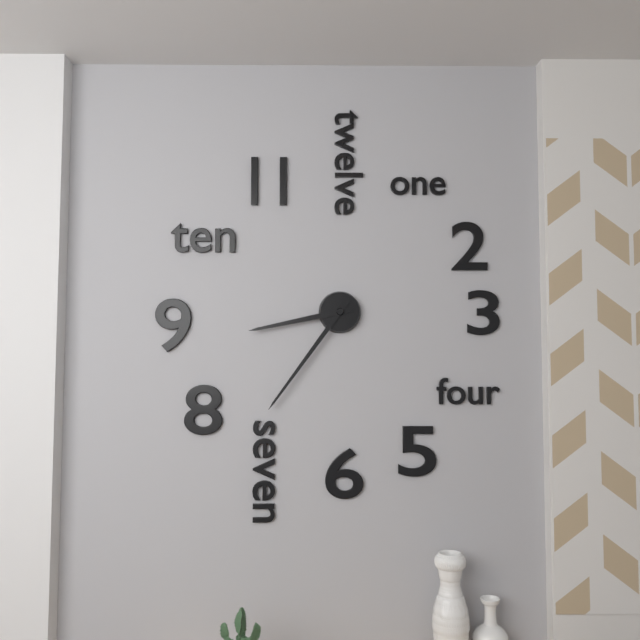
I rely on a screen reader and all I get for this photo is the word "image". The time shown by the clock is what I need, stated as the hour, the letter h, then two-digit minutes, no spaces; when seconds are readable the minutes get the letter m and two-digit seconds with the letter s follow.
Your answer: 8h36
